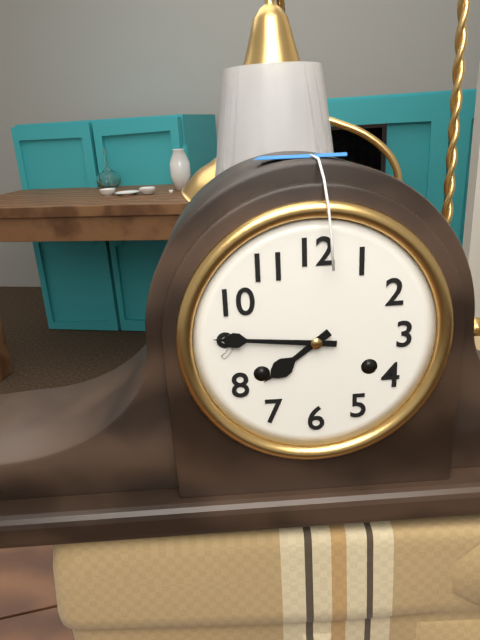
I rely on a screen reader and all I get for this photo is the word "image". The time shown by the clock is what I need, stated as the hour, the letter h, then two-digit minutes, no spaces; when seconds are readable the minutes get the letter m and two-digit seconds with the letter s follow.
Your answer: 7h46
